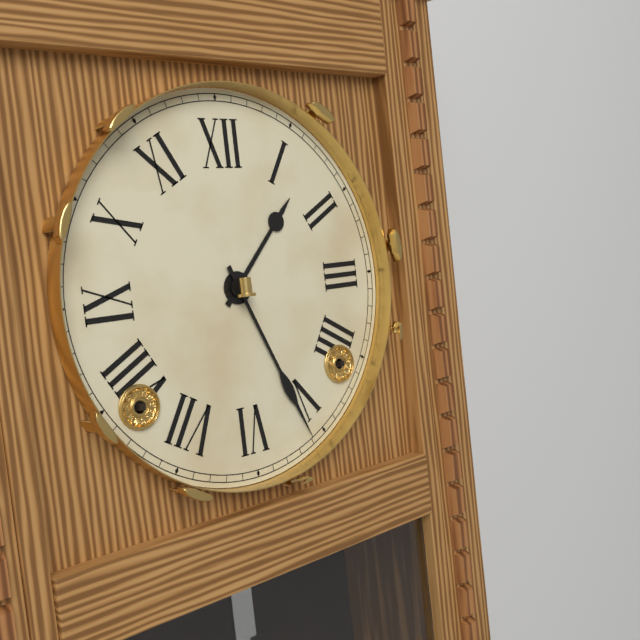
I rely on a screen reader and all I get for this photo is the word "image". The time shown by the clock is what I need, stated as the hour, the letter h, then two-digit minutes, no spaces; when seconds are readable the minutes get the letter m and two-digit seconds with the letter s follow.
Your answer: 1h26
